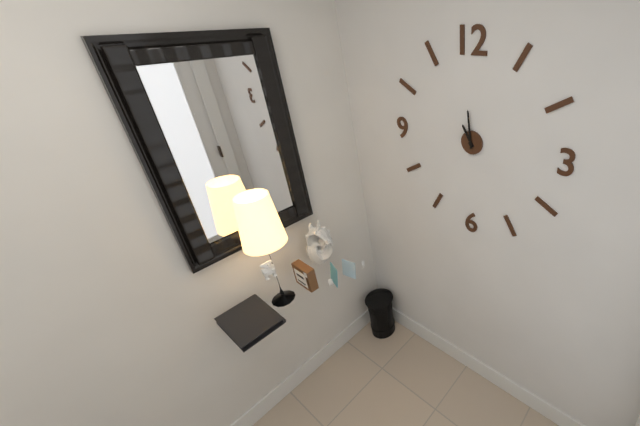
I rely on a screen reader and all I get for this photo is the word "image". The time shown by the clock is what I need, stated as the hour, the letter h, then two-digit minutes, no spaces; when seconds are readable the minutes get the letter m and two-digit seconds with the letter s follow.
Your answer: 10h59
